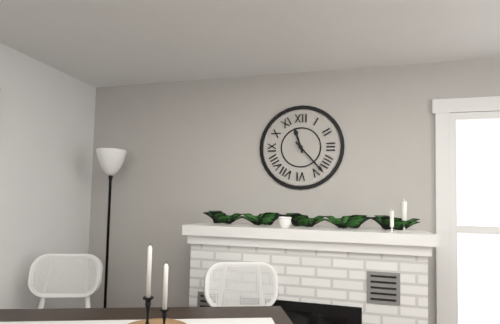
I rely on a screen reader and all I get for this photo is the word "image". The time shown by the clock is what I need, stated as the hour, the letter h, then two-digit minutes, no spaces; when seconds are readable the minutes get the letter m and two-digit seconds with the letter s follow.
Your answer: 11h23
